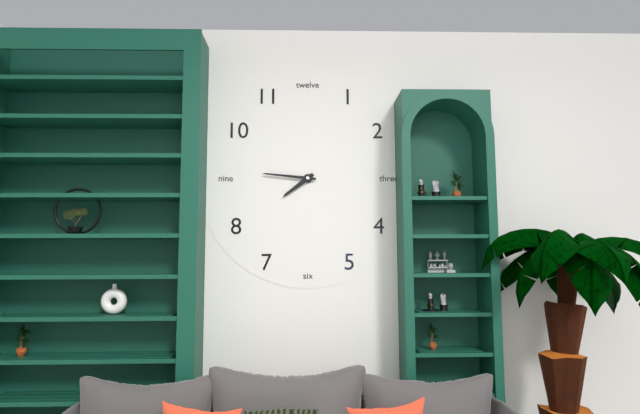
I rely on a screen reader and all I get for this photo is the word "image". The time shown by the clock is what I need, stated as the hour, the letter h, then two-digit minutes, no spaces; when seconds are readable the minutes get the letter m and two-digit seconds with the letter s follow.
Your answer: 7h46
